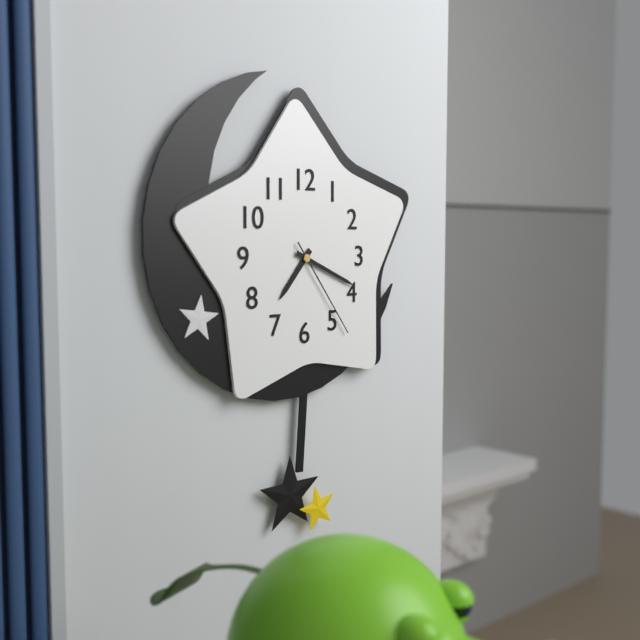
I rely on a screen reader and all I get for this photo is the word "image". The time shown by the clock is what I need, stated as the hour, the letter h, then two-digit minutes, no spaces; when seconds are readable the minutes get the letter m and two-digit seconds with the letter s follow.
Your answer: 7h19m24s
